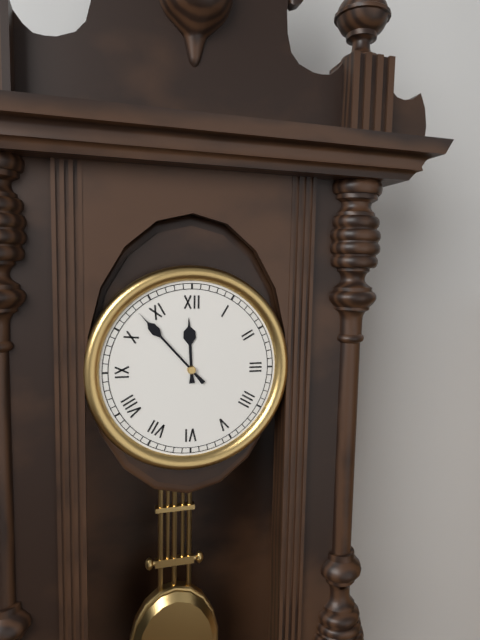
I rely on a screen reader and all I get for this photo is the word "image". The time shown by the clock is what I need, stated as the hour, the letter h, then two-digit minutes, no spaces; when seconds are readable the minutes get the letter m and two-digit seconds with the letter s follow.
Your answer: 11h53
